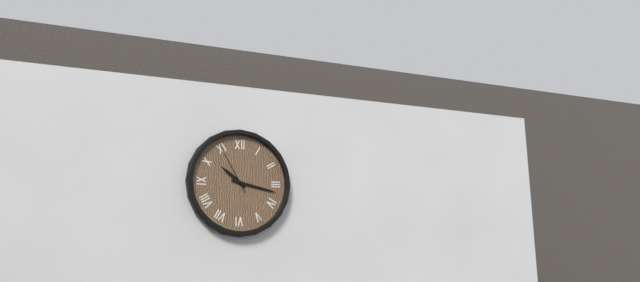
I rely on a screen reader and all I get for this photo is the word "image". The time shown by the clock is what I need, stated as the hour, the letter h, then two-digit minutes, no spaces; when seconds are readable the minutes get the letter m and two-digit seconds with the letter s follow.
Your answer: 10h17m55s
